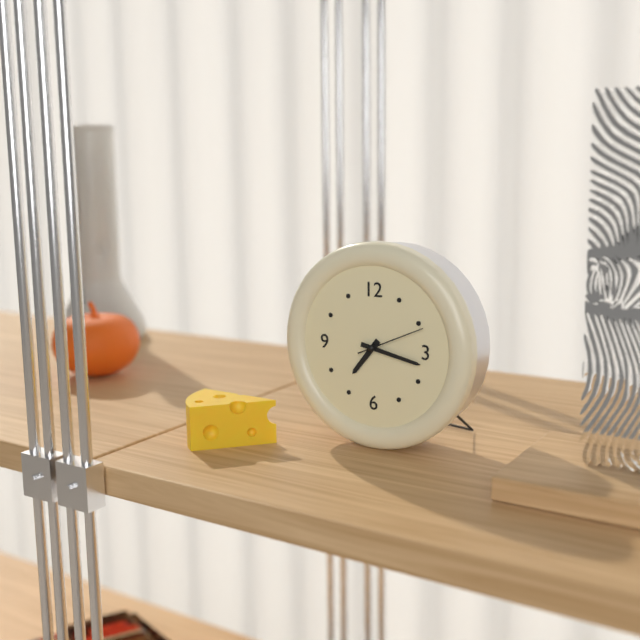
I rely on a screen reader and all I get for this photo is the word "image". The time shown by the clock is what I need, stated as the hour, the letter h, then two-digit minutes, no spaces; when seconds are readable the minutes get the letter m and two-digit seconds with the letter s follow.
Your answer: 7h17m11s
